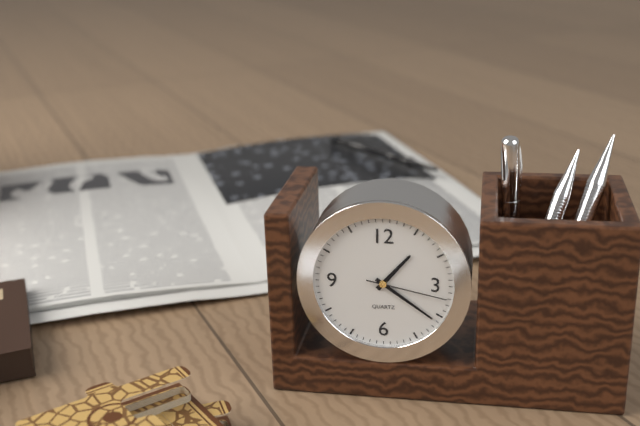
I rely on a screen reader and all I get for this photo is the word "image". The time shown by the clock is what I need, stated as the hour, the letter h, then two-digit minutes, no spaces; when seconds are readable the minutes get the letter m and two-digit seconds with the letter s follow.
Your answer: 1h21m17s
